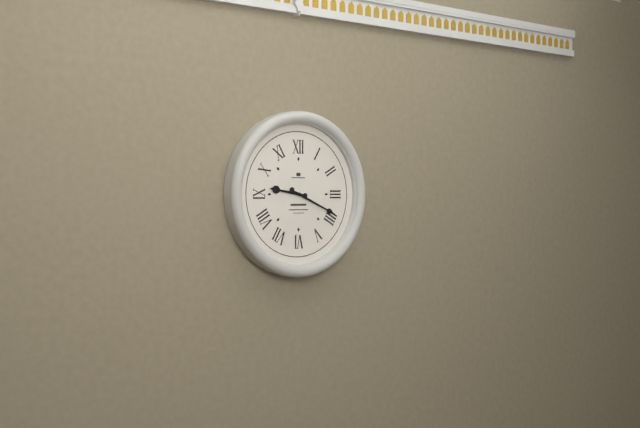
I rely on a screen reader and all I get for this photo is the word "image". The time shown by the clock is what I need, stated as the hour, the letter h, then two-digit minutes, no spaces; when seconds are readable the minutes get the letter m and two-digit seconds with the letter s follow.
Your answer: 9h19
